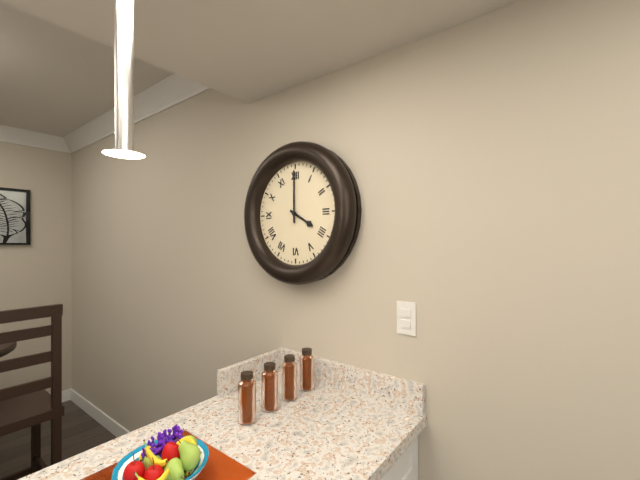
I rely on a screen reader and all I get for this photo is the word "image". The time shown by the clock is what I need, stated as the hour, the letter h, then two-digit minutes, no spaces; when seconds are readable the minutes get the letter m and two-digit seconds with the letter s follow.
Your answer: 4h00
